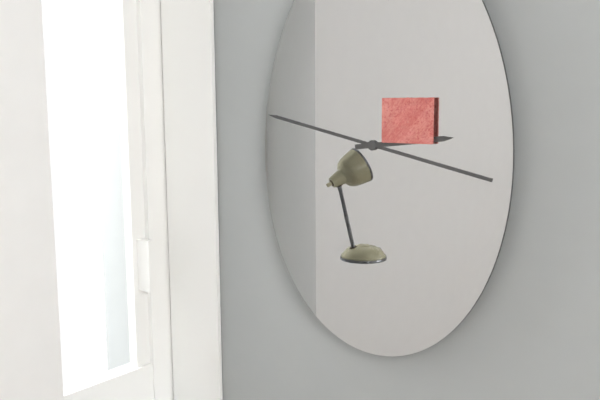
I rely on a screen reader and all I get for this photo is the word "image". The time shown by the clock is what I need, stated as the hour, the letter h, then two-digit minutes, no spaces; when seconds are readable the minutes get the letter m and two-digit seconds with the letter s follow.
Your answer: 2h47
